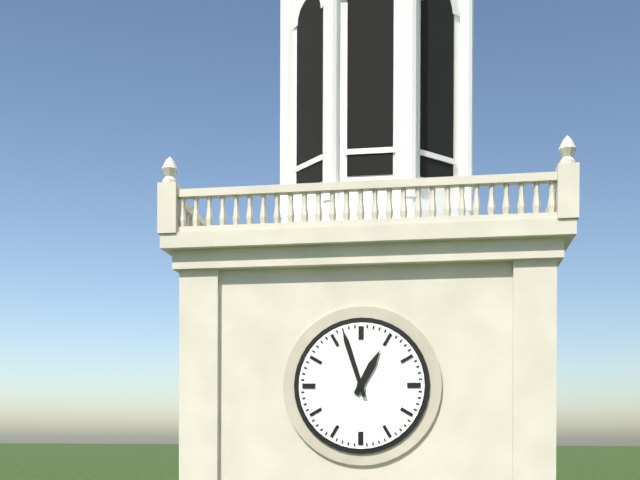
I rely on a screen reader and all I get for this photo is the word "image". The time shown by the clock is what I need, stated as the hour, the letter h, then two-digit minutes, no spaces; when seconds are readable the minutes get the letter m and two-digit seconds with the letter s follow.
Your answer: 12h57
